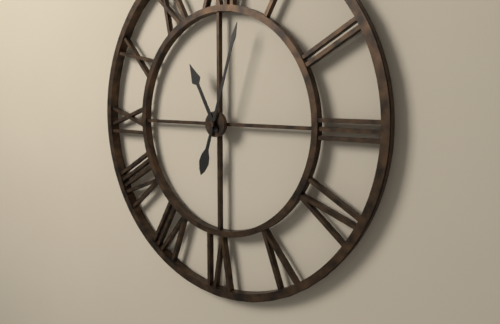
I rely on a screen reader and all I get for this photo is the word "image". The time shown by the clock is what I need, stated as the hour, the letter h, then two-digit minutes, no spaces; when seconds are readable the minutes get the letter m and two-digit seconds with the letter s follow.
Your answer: 11h03
